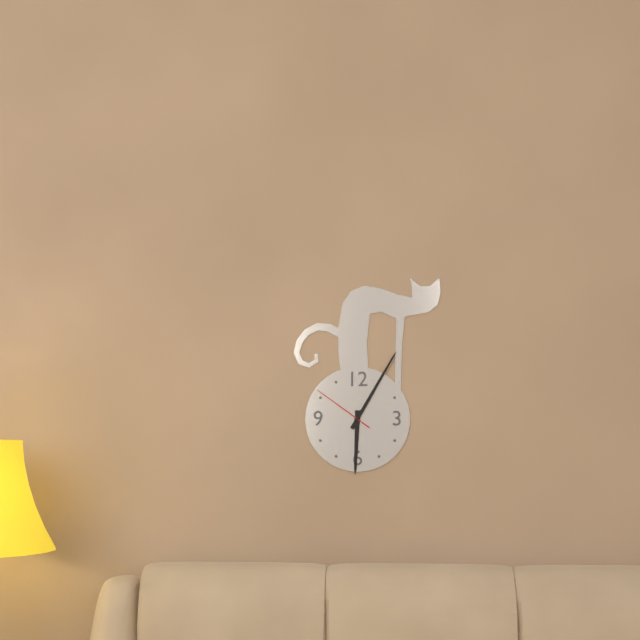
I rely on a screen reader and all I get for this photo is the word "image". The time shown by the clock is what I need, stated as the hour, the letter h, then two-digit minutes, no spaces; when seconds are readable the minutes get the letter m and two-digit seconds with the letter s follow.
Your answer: 6h05m51s
